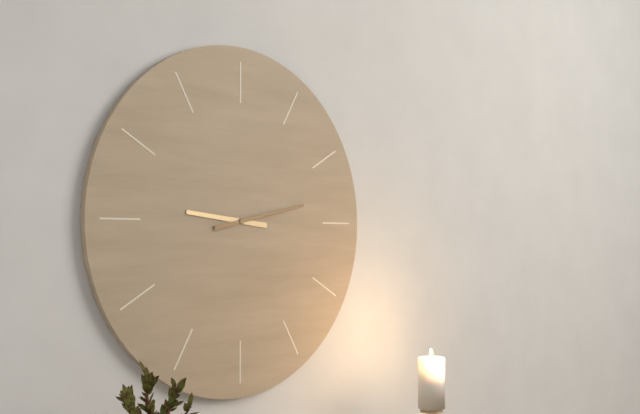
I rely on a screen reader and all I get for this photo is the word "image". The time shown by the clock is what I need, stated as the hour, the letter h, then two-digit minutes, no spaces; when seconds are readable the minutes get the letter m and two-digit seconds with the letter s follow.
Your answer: 9h13
